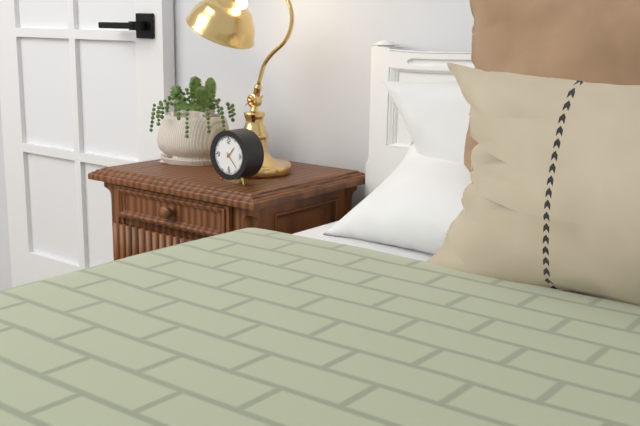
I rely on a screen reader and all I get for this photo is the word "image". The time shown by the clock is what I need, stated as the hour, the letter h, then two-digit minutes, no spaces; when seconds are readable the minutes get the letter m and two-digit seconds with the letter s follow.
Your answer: 1h23
